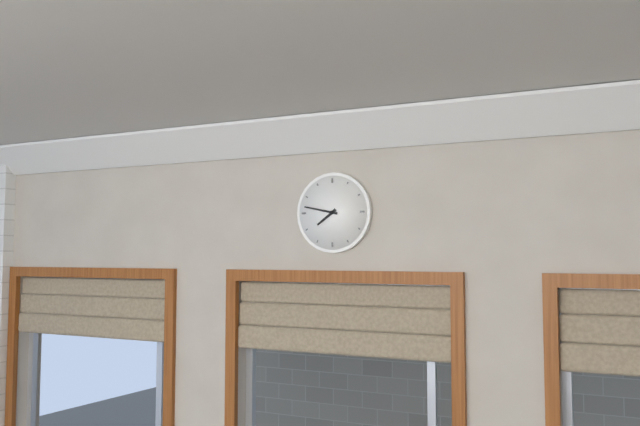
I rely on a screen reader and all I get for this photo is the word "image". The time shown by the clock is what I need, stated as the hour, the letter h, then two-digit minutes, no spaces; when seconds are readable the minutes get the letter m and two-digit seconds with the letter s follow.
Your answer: 7h47
